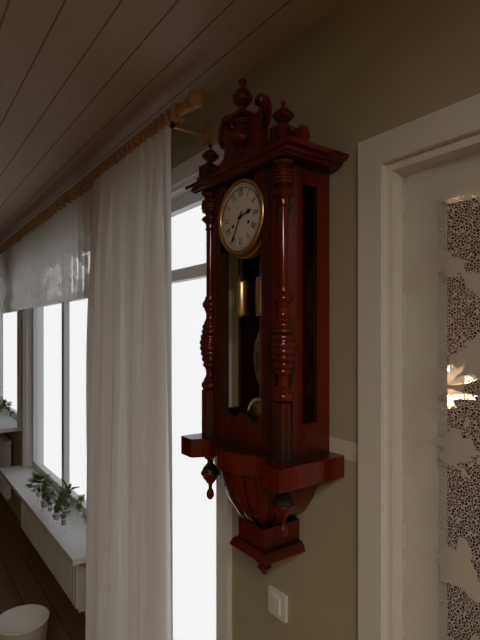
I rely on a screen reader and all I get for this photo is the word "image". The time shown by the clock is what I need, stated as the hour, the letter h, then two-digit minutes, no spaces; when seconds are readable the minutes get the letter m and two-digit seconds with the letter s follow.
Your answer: 2h35
